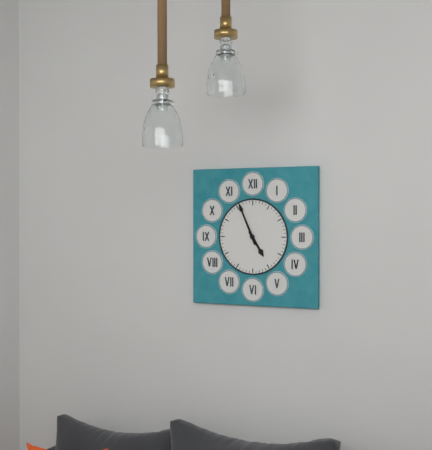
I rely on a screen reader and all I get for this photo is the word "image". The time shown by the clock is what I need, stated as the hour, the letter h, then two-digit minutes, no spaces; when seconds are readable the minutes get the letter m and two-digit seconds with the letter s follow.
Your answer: 4h56
